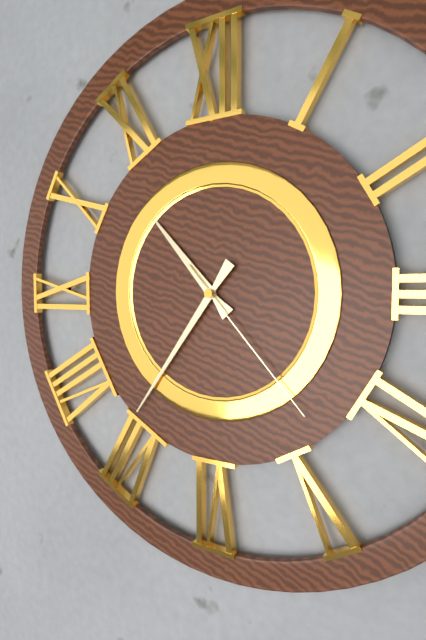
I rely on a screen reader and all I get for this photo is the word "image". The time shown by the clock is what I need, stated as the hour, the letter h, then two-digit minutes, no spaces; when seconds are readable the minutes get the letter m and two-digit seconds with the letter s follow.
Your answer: 10h36m23s
